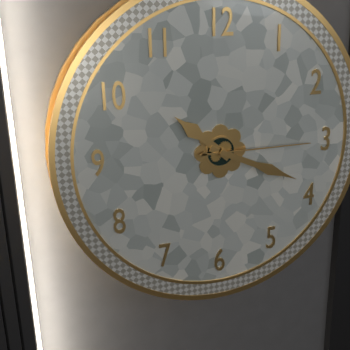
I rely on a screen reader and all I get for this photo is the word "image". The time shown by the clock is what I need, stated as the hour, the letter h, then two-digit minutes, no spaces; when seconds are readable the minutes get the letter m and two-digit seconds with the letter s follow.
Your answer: 10h19m15s
